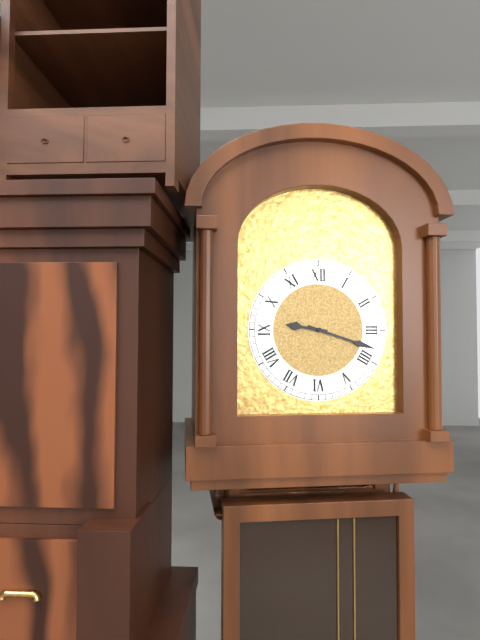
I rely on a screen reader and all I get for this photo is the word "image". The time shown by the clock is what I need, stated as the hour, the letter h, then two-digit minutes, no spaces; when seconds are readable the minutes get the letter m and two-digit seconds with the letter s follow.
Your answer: 9h18
